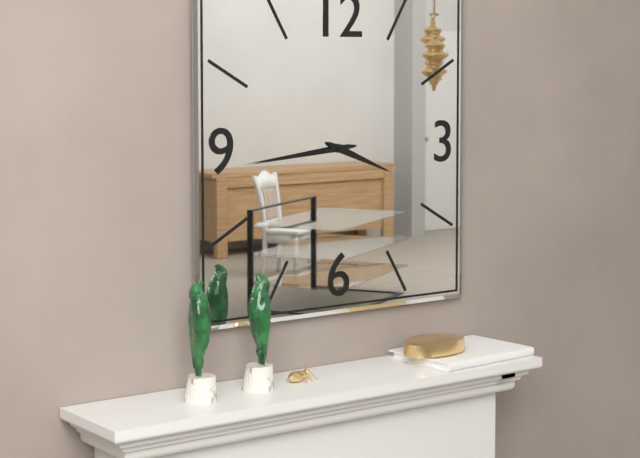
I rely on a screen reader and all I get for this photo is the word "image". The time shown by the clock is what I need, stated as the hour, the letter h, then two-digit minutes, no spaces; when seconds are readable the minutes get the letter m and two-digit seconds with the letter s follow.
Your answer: 3h44
